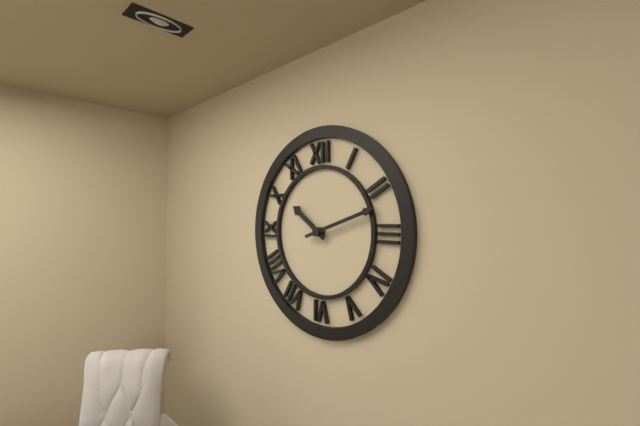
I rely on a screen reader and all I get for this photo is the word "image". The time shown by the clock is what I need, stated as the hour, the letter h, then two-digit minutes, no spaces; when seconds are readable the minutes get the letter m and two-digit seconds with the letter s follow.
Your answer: 10h12
